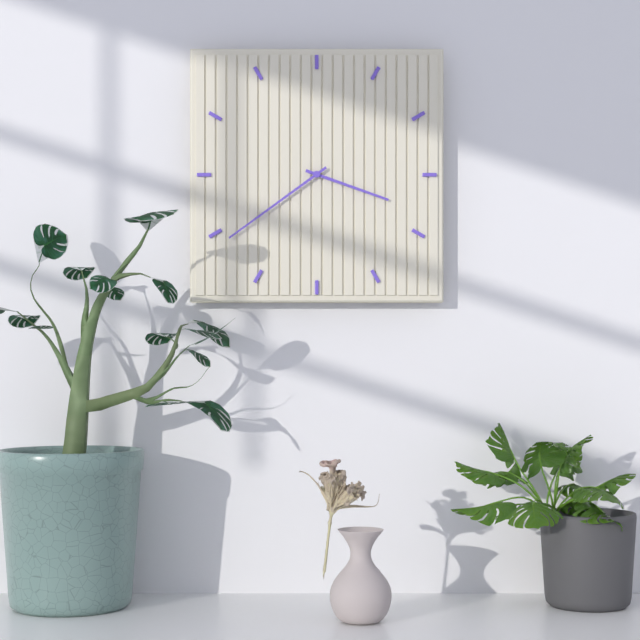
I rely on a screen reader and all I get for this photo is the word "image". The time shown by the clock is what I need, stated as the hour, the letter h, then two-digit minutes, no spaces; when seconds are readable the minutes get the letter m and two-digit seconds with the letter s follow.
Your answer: 3h39
